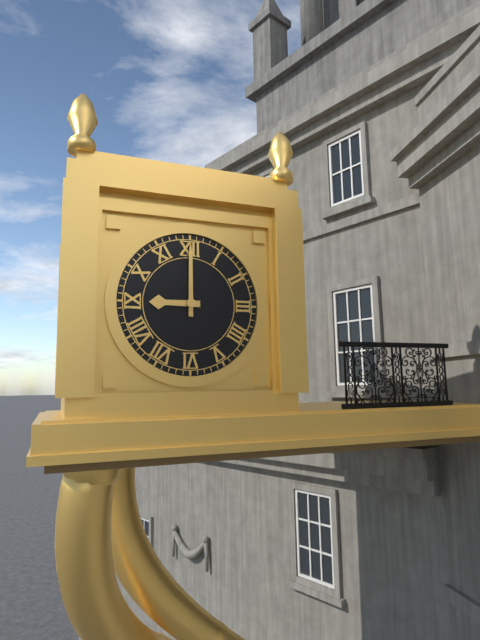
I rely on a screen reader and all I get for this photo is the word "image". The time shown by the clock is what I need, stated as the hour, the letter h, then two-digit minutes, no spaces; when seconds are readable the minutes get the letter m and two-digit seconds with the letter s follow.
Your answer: 9h00
